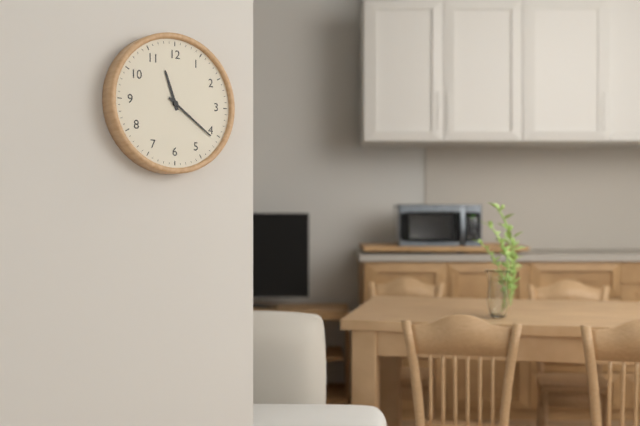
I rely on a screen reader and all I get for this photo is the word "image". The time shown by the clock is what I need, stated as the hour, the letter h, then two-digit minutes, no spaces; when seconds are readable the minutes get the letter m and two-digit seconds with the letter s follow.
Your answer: 11h21
